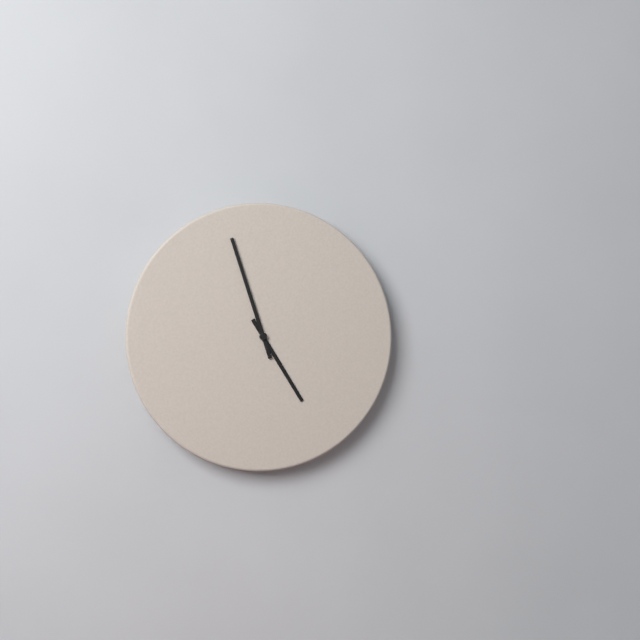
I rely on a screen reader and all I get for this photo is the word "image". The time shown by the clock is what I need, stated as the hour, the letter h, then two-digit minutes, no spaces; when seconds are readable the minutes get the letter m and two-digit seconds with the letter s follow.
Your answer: 4h57
